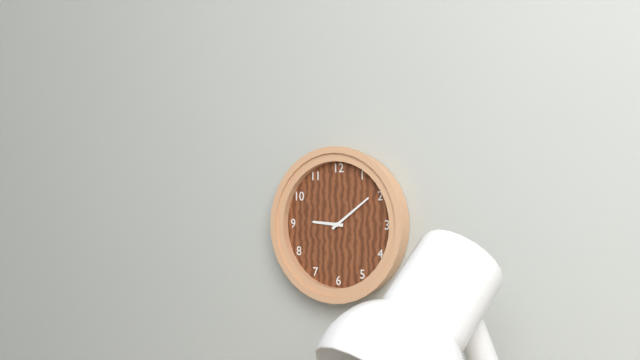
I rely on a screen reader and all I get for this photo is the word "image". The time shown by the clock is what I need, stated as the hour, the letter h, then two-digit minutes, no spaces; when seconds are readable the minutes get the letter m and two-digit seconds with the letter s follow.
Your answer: 9h09
